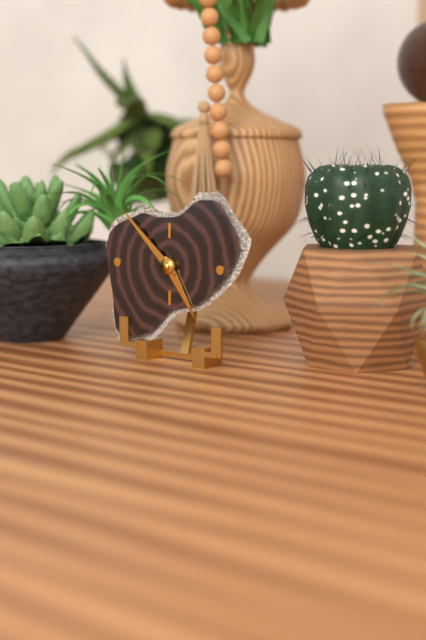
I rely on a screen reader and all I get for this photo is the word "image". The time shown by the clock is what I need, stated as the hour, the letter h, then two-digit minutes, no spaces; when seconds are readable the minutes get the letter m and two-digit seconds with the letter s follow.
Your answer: 4h52
